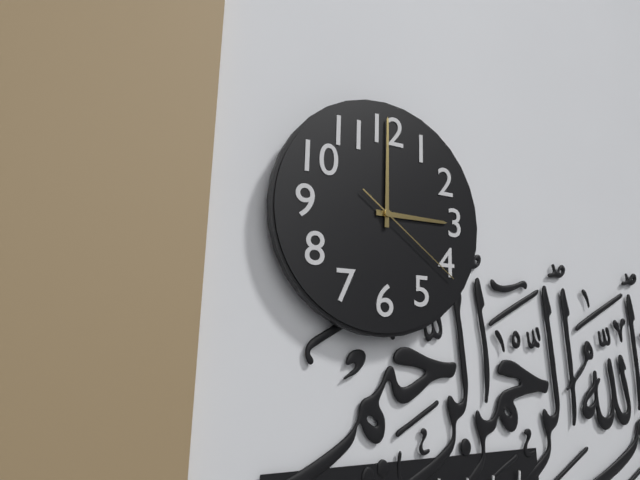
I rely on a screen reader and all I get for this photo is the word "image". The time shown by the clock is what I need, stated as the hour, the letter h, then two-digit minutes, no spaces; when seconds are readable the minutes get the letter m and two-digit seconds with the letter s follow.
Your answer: 3h00m21s
